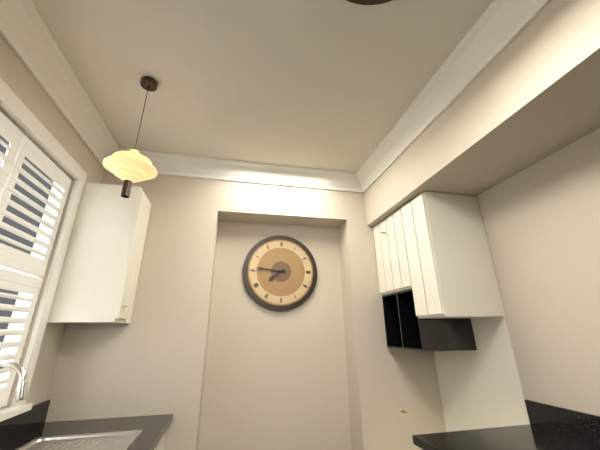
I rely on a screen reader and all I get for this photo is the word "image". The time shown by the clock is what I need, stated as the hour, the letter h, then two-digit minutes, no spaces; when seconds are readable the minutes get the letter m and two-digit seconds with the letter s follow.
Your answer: 7h46
